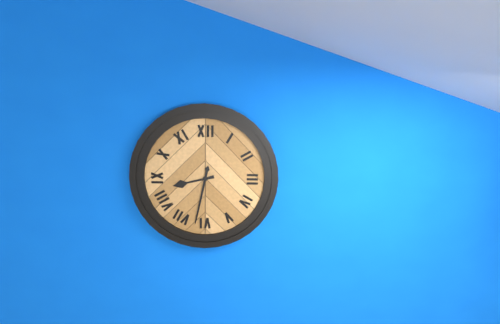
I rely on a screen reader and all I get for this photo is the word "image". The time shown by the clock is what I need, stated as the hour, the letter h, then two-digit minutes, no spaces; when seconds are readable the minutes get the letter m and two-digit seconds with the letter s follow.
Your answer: 8h32
